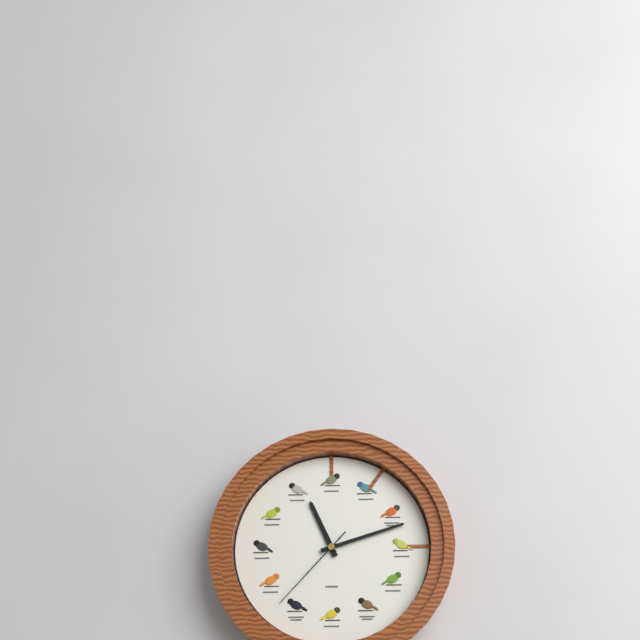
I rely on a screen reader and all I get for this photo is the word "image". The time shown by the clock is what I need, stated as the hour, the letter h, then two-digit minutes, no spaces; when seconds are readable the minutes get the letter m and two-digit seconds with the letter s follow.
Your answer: 11h12m37s
